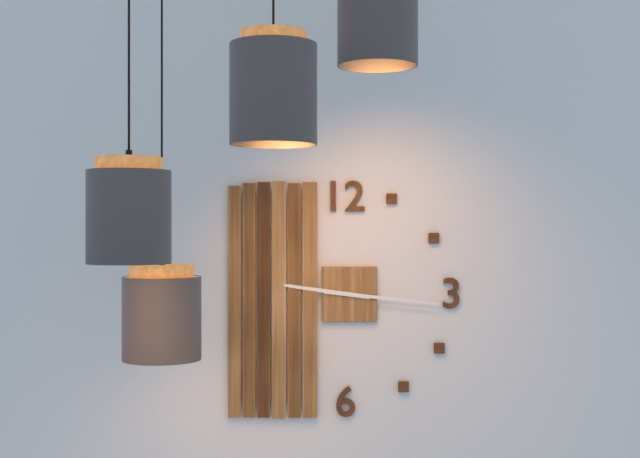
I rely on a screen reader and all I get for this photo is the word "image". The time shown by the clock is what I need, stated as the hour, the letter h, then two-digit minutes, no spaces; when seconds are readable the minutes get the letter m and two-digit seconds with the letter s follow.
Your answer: 9h16
